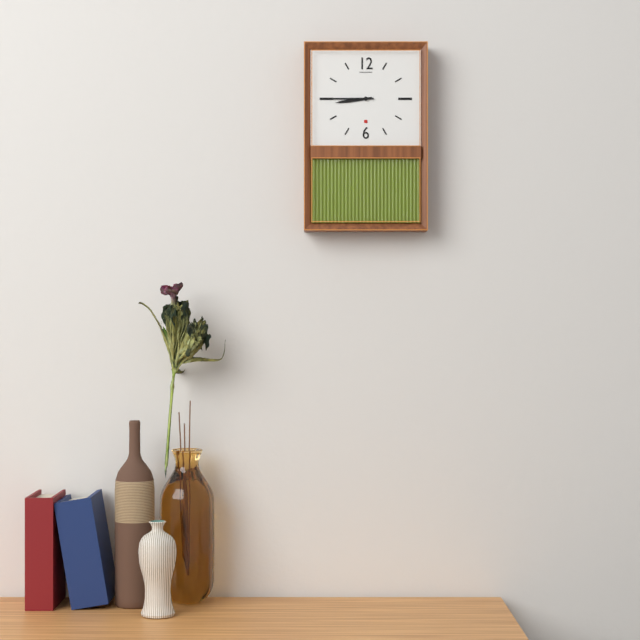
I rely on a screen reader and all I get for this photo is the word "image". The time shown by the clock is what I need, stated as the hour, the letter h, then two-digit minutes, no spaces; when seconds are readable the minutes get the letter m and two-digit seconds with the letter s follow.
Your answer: 8h45
